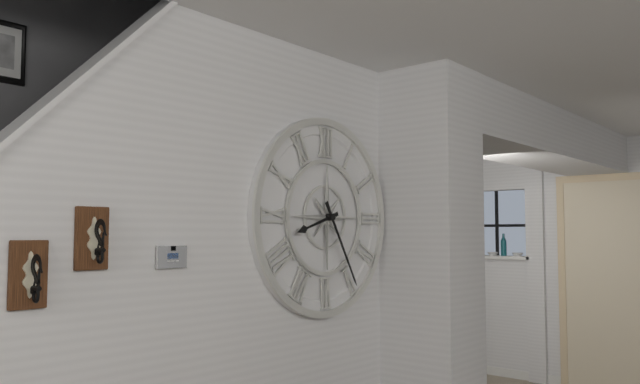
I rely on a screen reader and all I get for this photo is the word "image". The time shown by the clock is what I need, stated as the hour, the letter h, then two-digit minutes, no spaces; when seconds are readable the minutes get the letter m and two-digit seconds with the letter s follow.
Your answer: 8h25
